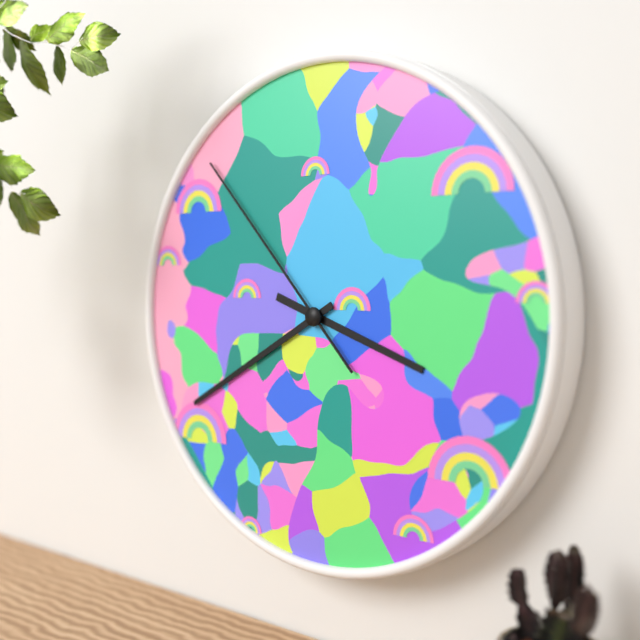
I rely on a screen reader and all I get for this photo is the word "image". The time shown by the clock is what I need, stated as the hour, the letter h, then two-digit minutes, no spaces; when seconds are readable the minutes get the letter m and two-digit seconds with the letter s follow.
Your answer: 3h40m53s
